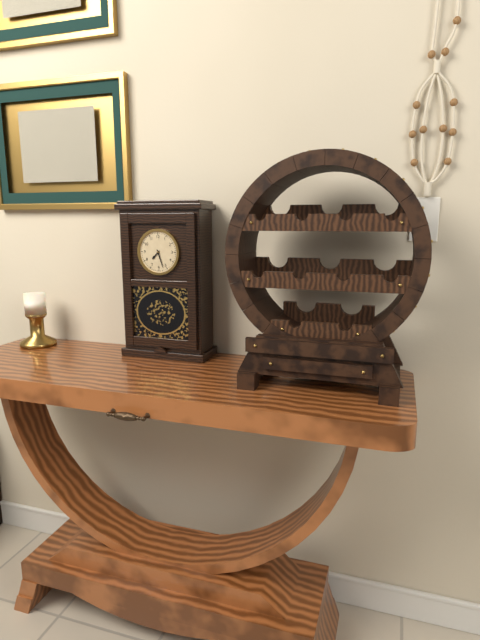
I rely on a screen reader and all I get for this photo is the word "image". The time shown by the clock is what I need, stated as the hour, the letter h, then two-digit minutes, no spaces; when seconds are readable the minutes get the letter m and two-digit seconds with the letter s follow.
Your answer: 7h27
